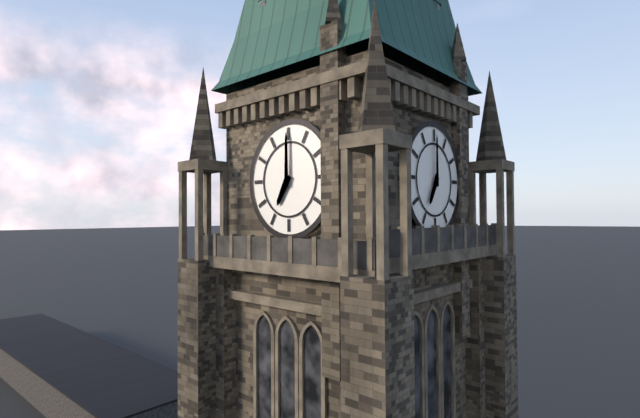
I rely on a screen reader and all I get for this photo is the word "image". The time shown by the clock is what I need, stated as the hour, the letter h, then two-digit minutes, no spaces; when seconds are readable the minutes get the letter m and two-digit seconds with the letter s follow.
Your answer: 7h00
